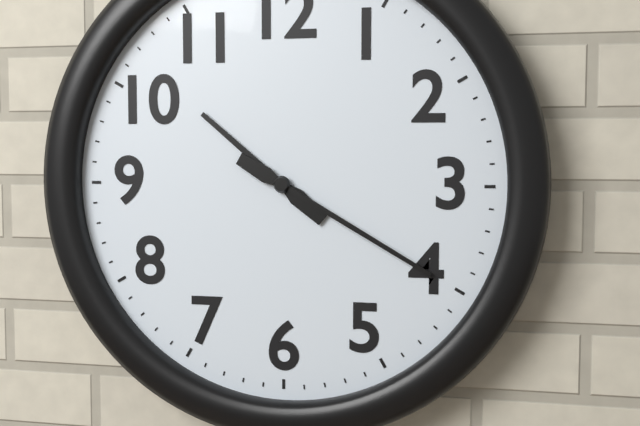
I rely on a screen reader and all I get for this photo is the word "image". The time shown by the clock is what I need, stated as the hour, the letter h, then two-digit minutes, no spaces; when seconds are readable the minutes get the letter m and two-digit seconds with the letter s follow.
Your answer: 10h20
